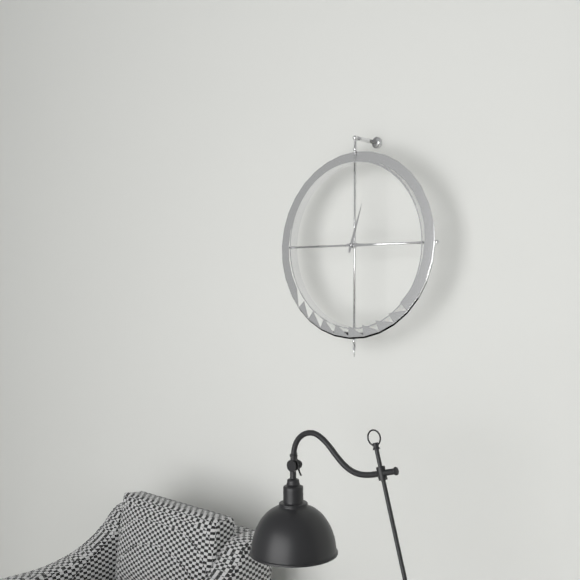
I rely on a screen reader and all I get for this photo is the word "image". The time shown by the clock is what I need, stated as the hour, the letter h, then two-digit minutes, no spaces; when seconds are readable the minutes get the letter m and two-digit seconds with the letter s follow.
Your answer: 3h03
